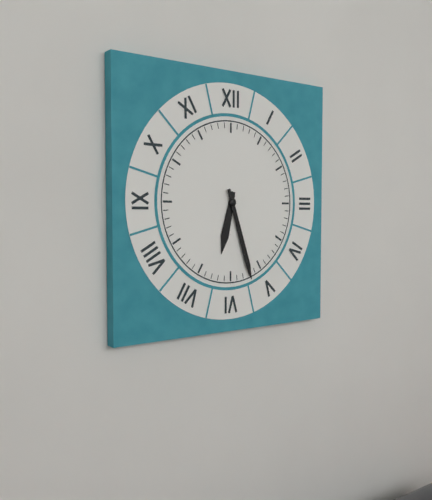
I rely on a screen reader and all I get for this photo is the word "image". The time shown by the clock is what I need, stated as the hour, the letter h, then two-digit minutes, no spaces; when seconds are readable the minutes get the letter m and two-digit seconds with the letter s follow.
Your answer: 6h27
